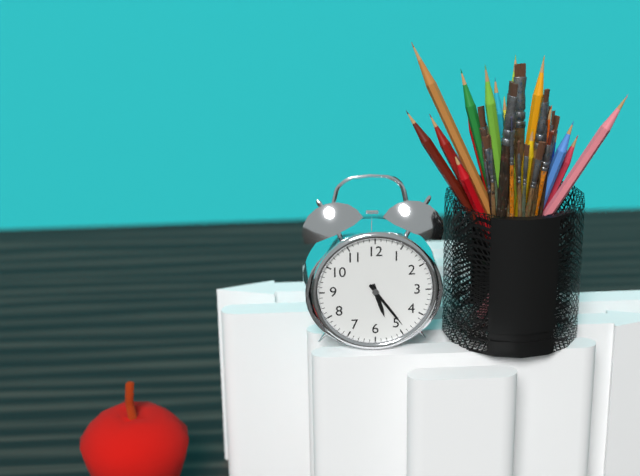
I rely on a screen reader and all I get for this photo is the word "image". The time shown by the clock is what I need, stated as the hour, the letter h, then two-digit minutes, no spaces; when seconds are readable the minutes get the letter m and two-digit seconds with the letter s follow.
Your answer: 5h24
